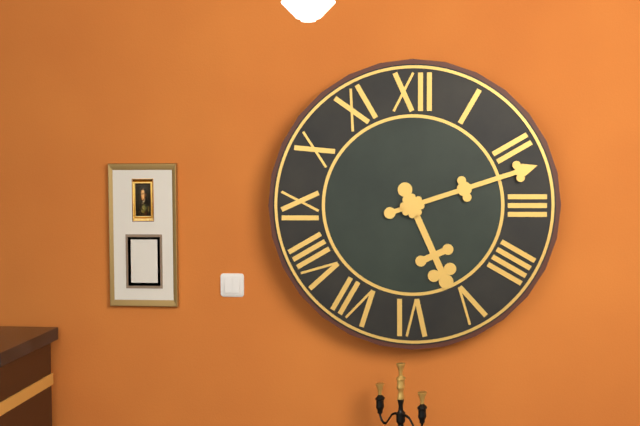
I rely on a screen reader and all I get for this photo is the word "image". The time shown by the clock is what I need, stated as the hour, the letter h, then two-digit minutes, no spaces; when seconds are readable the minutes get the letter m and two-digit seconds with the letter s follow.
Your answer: 5h12
